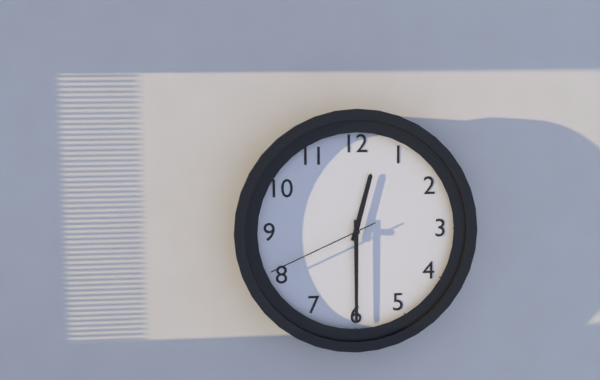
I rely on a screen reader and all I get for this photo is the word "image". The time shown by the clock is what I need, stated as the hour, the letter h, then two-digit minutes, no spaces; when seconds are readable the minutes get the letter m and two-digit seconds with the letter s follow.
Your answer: 12h30m41s
